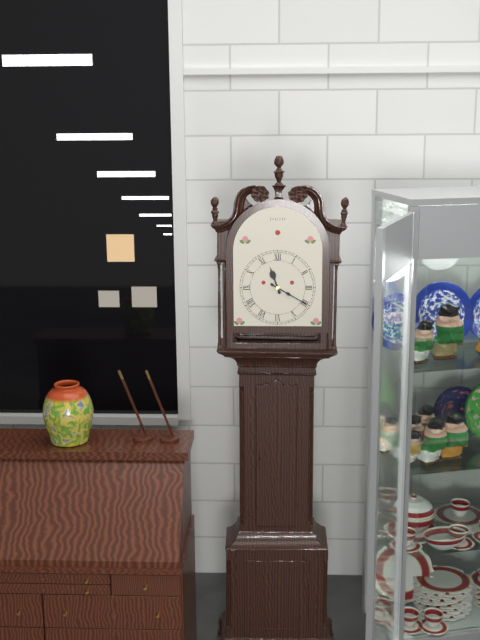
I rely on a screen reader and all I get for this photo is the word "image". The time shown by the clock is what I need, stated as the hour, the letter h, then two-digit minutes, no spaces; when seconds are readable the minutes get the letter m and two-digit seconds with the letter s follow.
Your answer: 11h20
